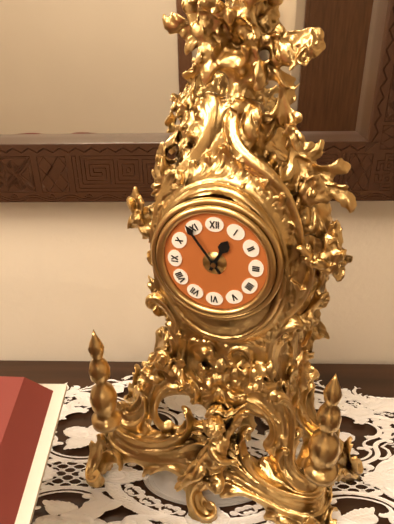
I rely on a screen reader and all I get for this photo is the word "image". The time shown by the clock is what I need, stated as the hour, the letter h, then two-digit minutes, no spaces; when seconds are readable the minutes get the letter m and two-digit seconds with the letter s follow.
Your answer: 12h54
